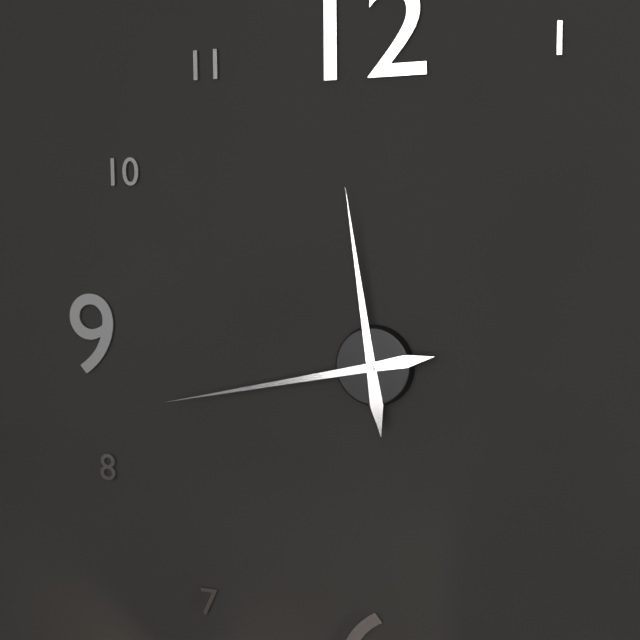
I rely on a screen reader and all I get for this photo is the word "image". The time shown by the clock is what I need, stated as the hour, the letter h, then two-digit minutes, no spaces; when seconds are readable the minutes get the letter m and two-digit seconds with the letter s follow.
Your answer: 11h43
